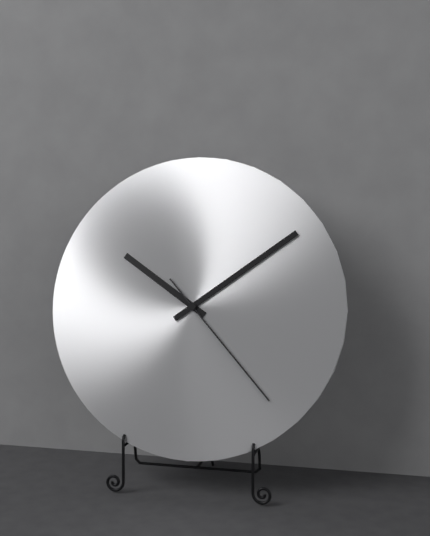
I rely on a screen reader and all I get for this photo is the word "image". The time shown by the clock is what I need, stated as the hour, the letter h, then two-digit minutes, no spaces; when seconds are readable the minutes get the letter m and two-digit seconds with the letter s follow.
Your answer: 10h09m23s
